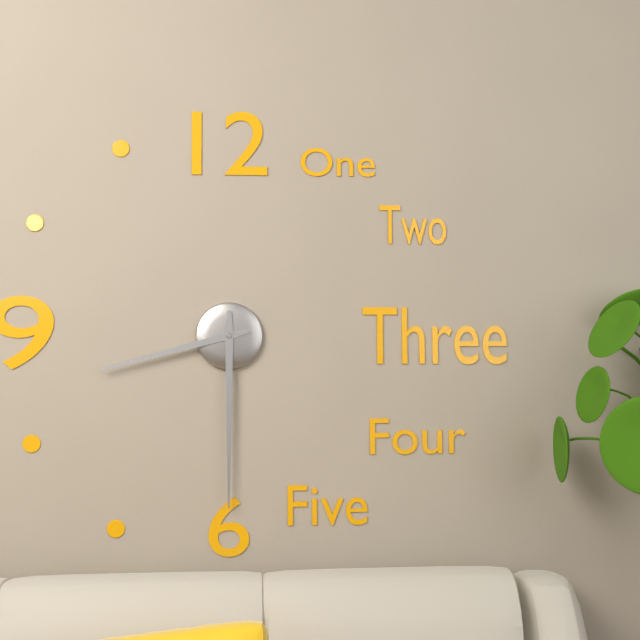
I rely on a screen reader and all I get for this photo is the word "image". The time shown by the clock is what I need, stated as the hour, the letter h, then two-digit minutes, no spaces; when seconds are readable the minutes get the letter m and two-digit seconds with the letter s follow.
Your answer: 8h30
